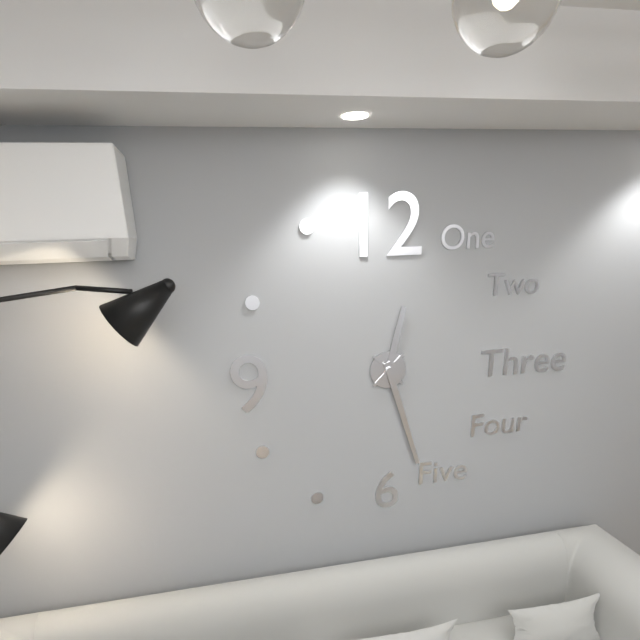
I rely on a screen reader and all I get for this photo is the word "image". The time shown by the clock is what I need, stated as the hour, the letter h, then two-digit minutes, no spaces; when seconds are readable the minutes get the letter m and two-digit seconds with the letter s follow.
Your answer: 12h27
